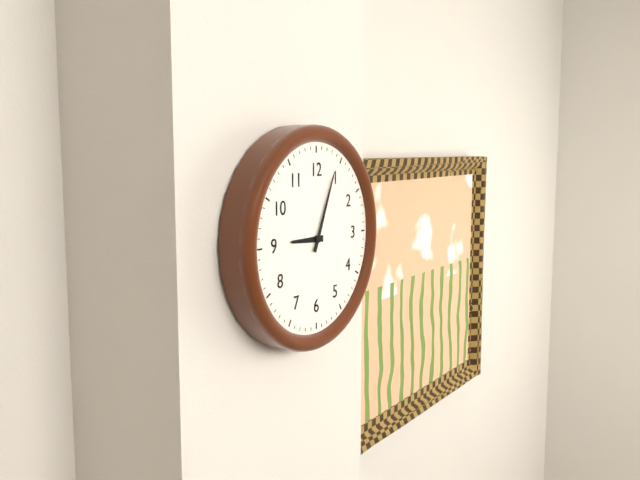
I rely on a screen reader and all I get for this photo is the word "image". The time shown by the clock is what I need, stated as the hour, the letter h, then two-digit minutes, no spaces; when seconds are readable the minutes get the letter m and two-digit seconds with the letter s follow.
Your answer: 9h04
